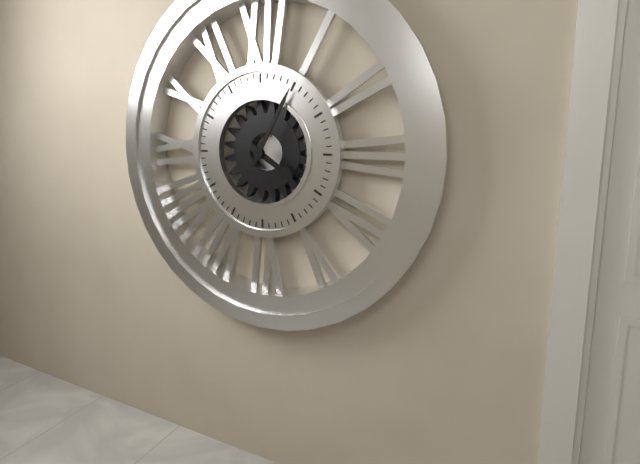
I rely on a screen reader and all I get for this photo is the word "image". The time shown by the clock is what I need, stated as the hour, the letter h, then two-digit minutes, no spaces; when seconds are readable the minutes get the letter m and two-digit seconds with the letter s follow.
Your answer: 4h05
